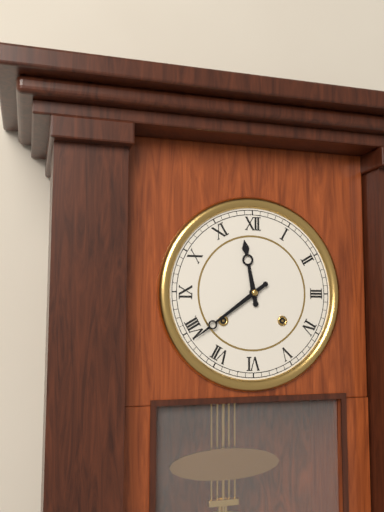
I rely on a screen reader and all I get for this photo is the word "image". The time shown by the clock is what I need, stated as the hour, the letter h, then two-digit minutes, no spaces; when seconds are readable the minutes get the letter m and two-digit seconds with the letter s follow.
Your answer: 11h39
